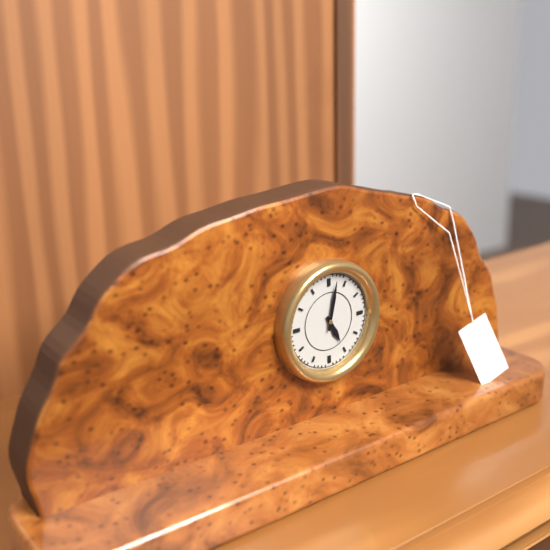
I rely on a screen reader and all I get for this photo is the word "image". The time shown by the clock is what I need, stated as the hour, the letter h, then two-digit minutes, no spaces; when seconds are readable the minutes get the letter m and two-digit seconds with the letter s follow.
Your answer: 5h02
